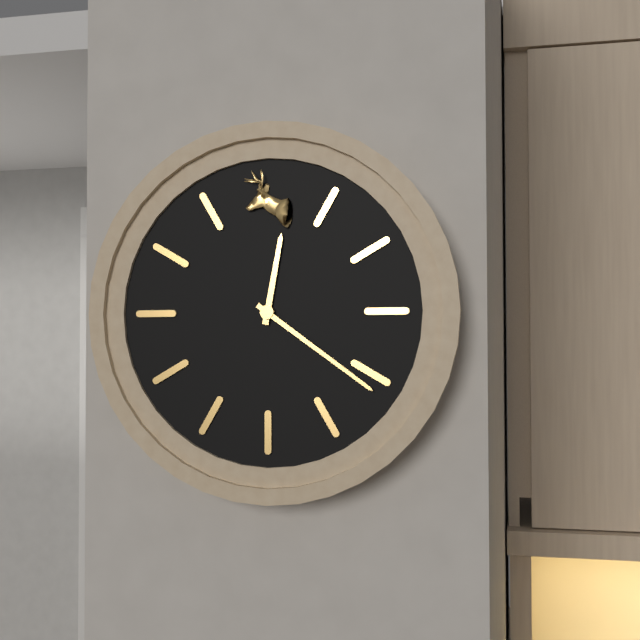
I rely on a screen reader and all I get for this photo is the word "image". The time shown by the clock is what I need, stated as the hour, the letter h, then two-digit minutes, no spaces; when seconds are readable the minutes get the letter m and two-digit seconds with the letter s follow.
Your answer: 12h21
